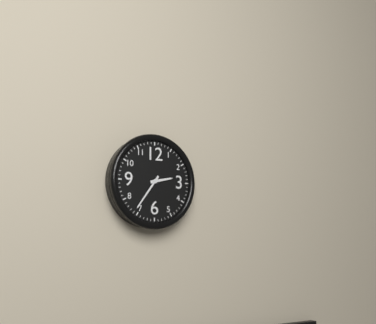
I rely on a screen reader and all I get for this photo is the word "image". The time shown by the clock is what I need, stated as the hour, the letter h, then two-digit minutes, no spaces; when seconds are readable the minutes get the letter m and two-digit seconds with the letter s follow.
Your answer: 2h36
